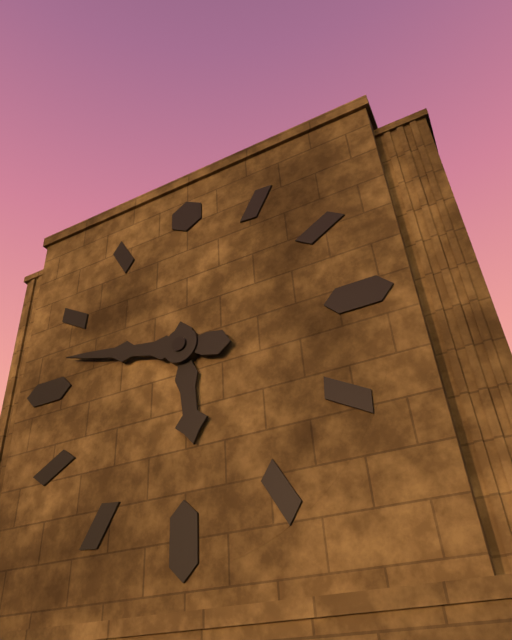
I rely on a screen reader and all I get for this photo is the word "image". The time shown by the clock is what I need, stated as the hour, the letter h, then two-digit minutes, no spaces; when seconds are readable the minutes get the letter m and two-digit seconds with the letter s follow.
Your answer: 5h47
